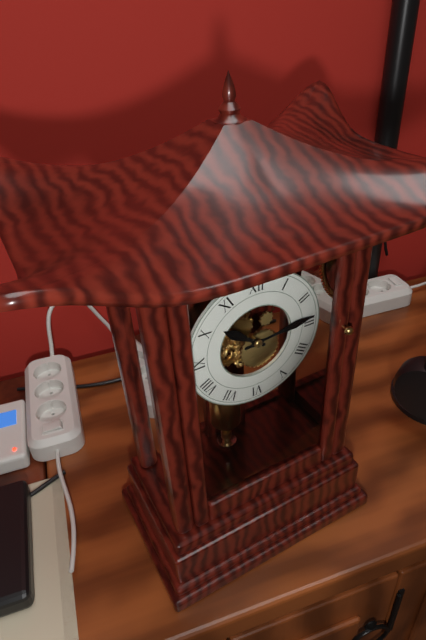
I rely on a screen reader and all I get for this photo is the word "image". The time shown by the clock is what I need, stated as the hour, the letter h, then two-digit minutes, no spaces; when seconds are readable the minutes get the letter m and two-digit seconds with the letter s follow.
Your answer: 10h14
